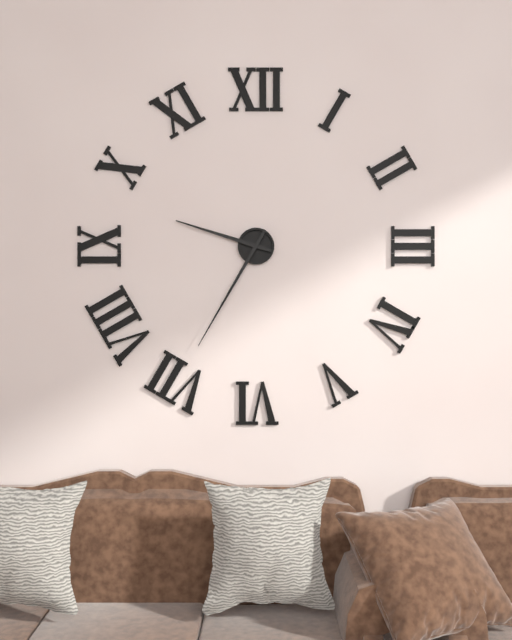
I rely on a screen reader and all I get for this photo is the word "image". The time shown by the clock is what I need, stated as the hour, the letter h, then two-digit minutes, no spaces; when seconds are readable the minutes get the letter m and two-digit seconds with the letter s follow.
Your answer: 9h35
